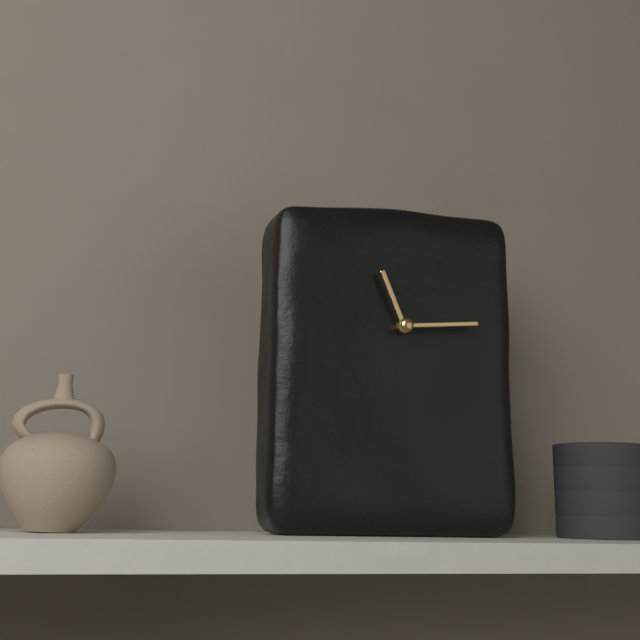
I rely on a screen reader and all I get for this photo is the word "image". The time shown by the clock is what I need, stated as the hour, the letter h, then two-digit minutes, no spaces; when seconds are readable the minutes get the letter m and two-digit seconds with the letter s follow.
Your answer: 11h14
